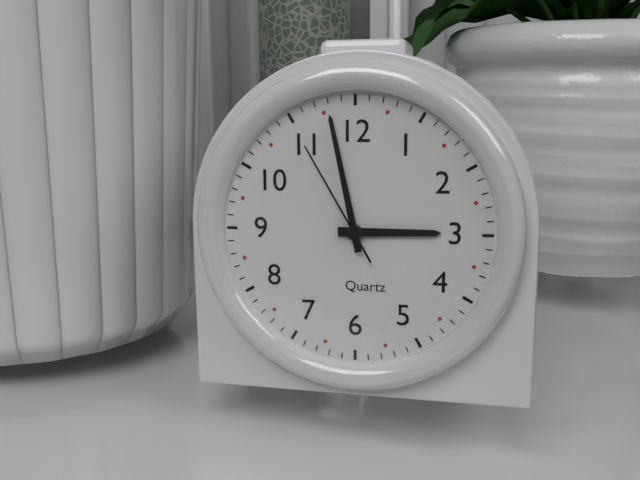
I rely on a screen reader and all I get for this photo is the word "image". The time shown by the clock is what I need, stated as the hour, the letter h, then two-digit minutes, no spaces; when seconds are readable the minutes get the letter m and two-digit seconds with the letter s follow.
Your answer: 2h58m55s
